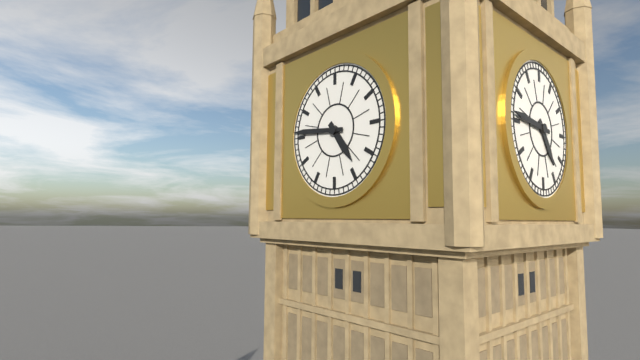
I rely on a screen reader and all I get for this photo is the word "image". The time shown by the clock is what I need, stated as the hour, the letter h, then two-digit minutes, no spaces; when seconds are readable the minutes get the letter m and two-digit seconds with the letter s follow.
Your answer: 4h46
